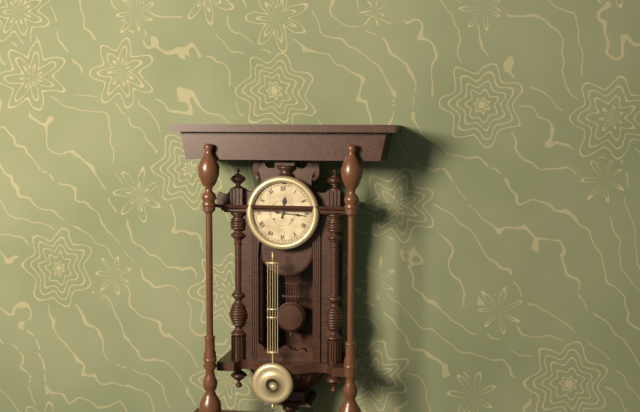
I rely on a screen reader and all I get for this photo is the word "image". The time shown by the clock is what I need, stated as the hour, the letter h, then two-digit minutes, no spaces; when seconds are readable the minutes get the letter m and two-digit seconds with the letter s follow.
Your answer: 12h16
